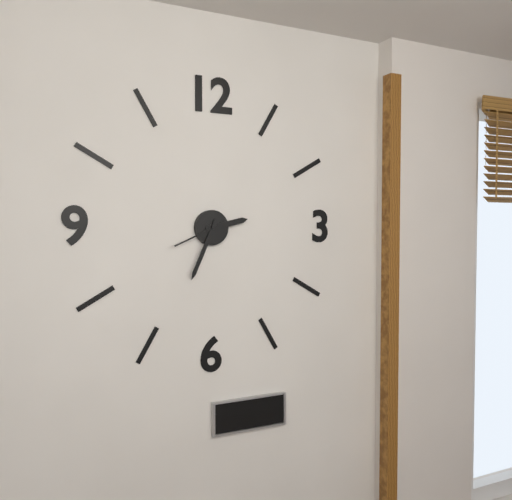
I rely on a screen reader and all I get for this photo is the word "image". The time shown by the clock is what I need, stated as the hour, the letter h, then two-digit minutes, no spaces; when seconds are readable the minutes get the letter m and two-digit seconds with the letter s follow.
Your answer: 2h34m41s
